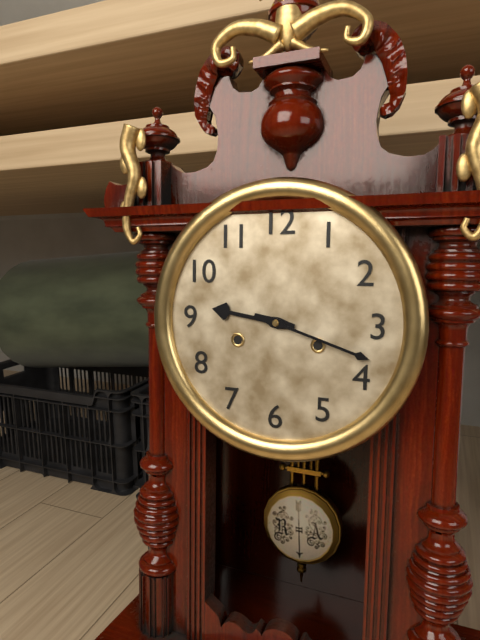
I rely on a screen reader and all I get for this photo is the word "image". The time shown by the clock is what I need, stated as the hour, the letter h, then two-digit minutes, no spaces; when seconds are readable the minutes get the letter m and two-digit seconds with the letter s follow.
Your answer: 9h18
